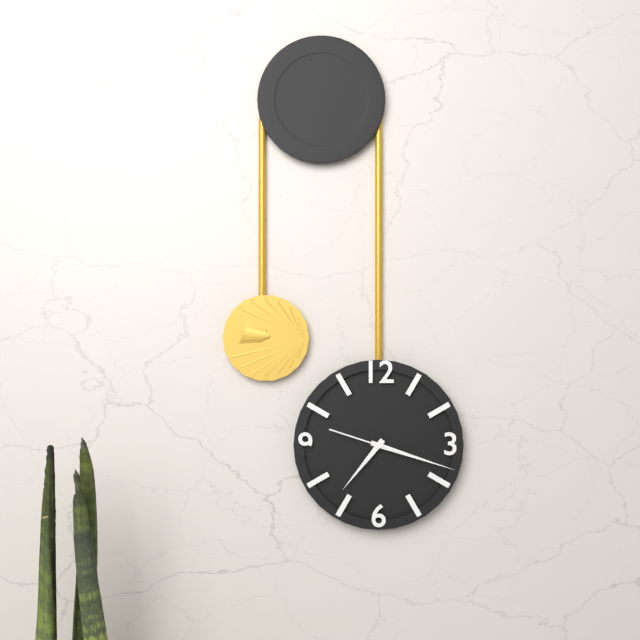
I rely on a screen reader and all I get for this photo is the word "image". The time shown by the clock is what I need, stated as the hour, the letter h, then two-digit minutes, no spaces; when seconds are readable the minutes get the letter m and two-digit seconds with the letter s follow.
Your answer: 7h18m48s
